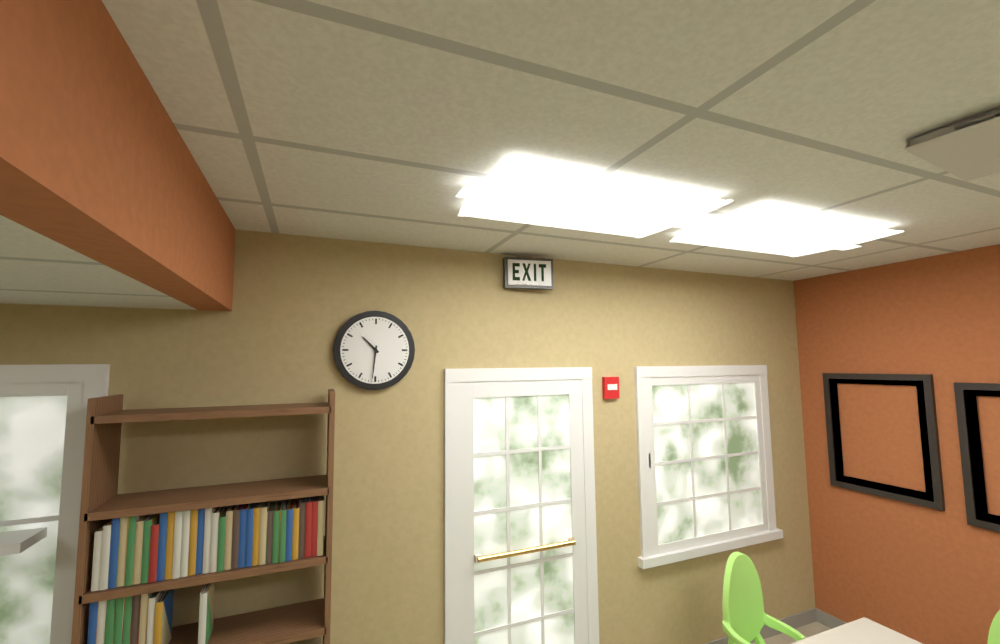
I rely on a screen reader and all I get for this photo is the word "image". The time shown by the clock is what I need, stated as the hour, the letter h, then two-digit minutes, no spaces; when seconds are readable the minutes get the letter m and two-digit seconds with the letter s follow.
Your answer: 10h31
